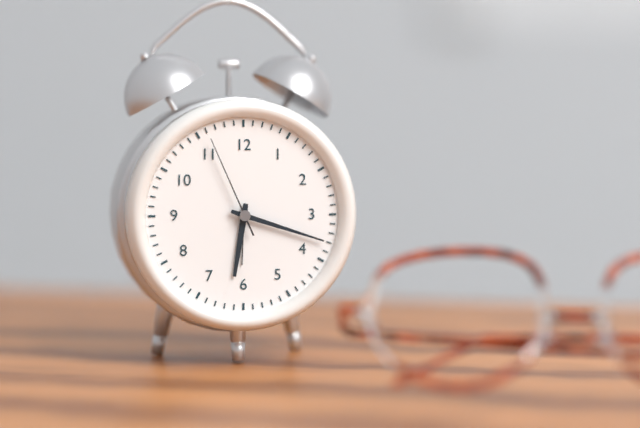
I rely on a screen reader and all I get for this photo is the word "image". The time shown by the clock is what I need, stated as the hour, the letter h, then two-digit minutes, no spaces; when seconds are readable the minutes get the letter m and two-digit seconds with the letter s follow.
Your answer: 6h18m56s
